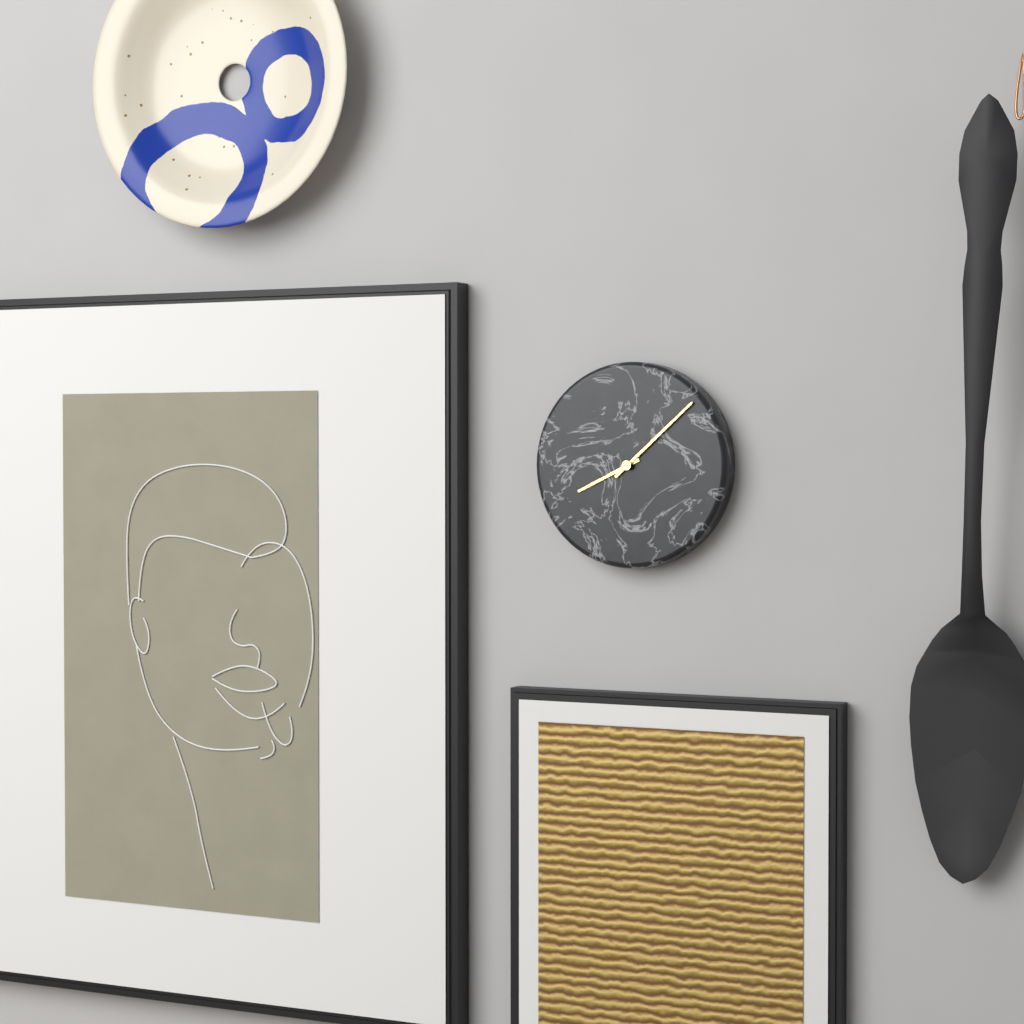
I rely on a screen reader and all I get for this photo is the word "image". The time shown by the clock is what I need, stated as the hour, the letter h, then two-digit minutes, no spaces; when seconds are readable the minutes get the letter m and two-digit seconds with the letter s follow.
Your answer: 8h08
